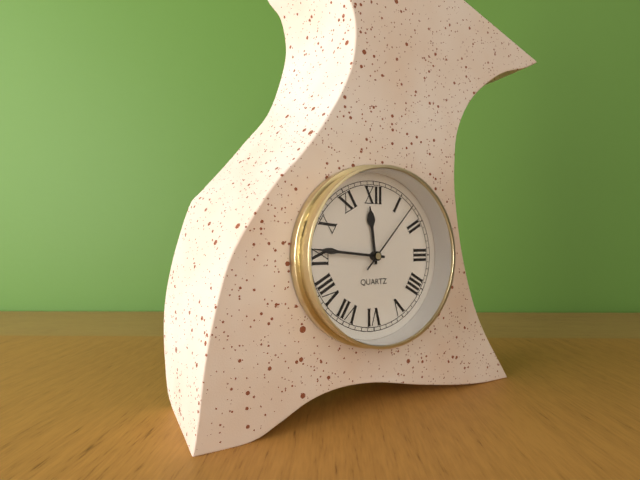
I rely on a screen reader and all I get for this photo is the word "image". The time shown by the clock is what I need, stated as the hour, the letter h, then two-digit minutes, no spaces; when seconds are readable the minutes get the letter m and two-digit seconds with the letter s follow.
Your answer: 11h46m07s
